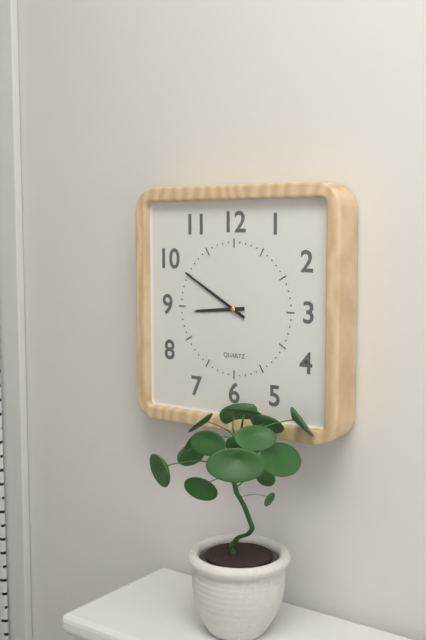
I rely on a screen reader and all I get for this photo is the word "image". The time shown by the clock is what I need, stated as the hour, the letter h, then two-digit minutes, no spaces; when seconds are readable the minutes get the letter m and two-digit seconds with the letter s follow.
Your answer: 8h50
